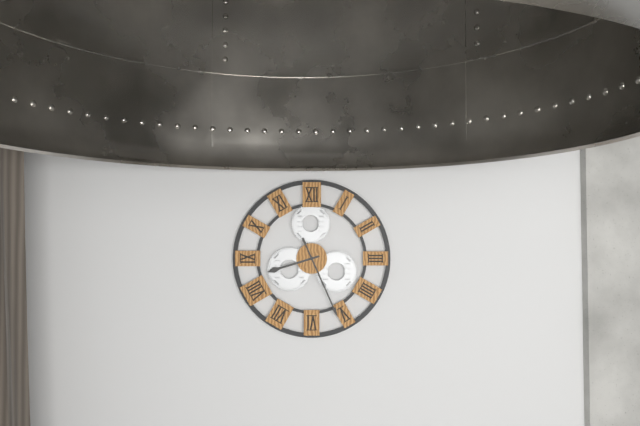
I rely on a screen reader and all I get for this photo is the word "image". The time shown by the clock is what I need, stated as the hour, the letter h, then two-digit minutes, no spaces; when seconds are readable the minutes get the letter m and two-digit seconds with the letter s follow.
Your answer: 8h26
